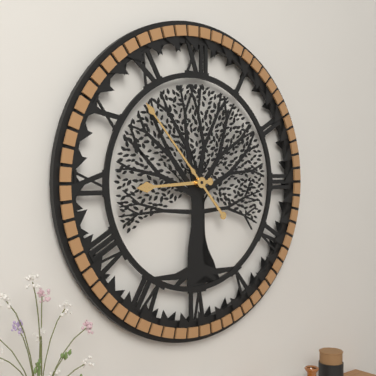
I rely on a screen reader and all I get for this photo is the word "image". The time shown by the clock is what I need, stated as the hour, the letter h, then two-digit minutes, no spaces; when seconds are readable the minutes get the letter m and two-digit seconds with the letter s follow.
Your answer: 8h53
